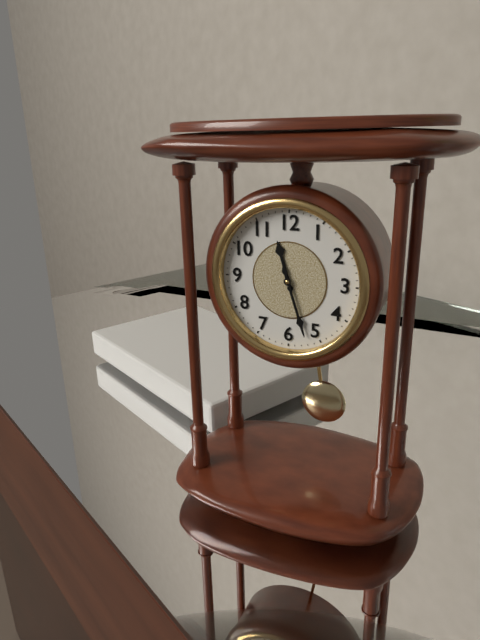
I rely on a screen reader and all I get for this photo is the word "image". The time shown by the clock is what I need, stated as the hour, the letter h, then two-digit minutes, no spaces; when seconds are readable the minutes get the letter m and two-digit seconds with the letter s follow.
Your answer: 11h27
